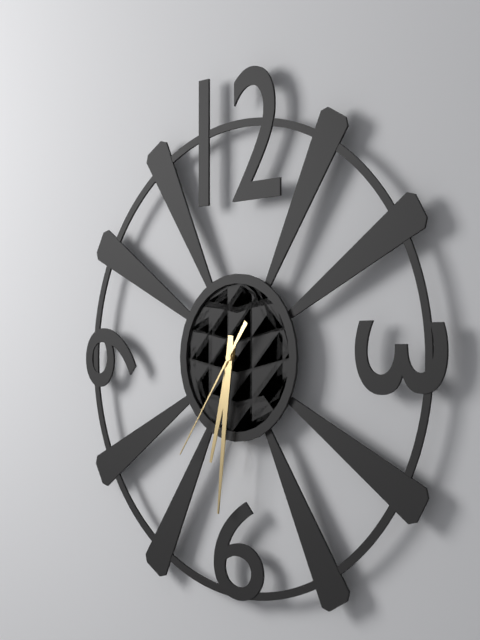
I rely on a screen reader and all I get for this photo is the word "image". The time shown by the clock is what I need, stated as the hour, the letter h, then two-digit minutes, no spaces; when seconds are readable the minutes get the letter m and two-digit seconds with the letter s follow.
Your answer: 6h31m36s
